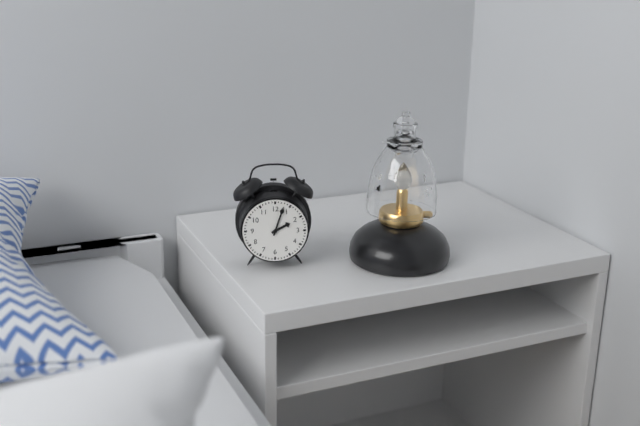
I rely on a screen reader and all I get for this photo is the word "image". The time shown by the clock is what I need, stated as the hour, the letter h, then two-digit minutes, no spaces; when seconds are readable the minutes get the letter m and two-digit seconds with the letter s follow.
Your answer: 2h03
